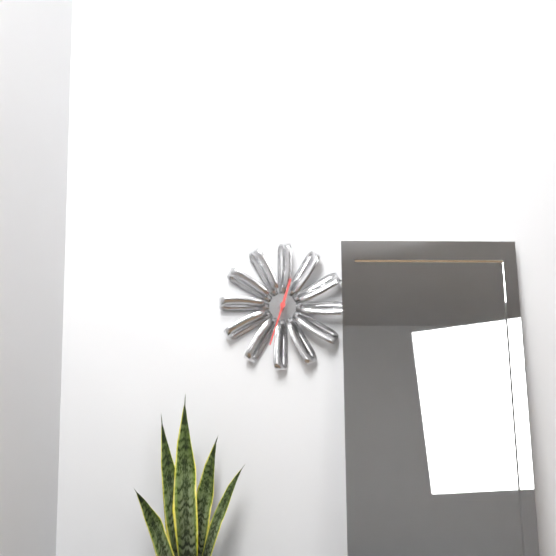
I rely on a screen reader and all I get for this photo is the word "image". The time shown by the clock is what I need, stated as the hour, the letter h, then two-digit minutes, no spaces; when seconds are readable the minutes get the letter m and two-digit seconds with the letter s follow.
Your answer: 12h33
